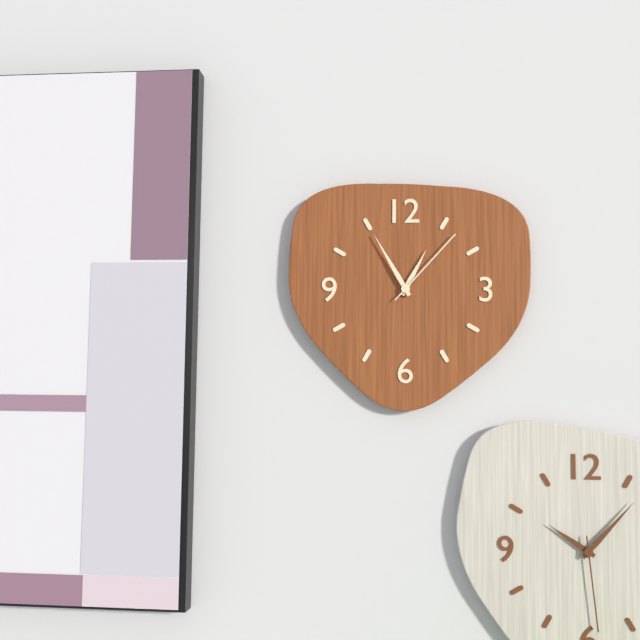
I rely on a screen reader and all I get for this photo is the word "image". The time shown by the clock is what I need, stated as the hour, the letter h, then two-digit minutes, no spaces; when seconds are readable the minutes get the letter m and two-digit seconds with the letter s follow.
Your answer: 12h55m07s
